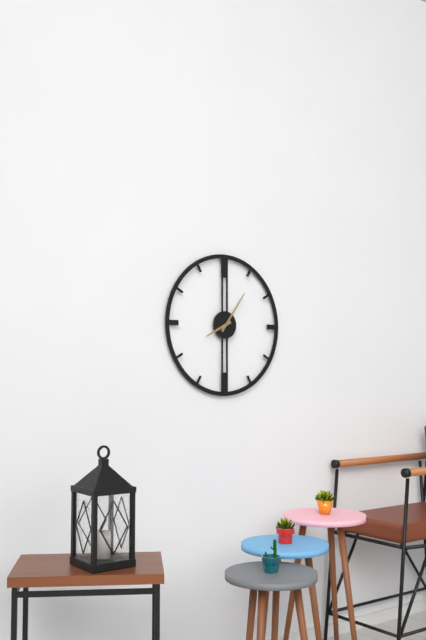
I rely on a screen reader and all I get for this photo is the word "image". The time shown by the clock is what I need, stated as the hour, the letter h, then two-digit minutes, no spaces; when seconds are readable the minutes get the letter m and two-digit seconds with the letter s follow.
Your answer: 8h06
